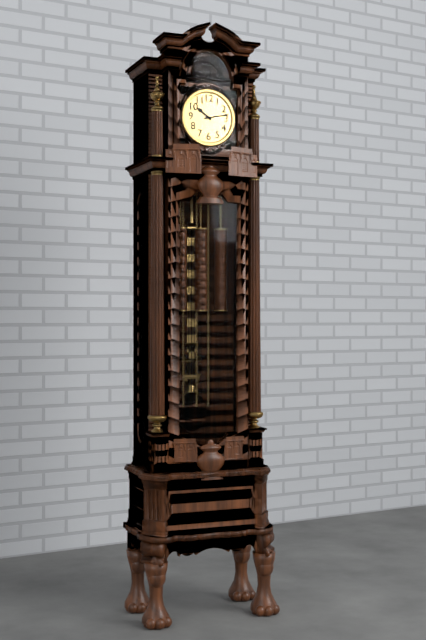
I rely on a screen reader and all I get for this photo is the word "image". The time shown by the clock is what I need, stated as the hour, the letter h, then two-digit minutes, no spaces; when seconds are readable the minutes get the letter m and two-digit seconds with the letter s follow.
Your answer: 10h13
